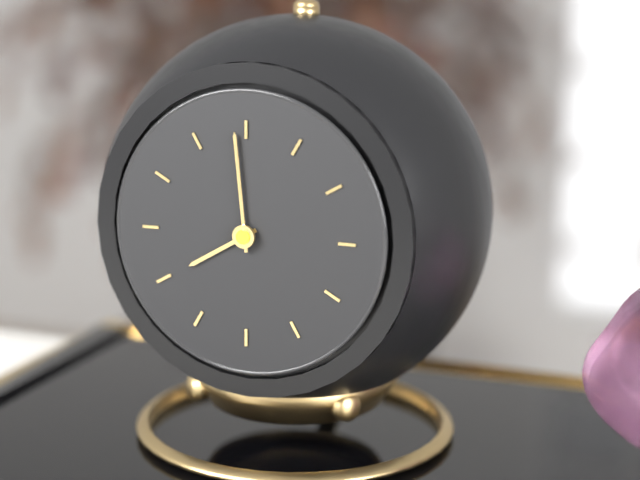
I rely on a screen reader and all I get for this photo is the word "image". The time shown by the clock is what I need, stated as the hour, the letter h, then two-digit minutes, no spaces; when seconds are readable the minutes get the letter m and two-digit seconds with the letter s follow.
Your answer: 7h59
